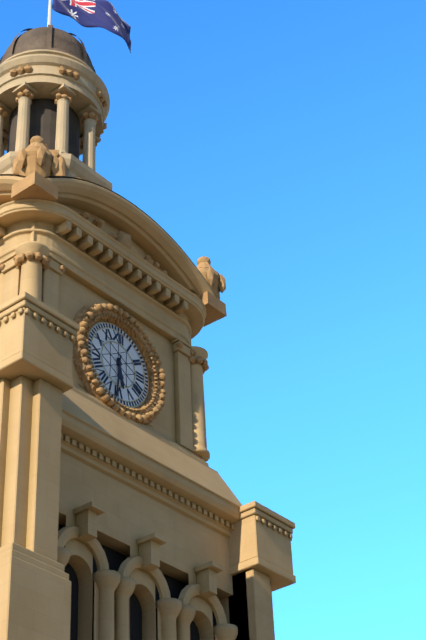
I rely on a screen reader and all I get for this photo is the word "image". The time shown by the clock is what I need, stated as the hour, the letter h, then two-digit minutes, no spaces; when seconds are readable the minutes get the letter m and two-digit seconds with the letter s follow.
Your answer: 5h31
